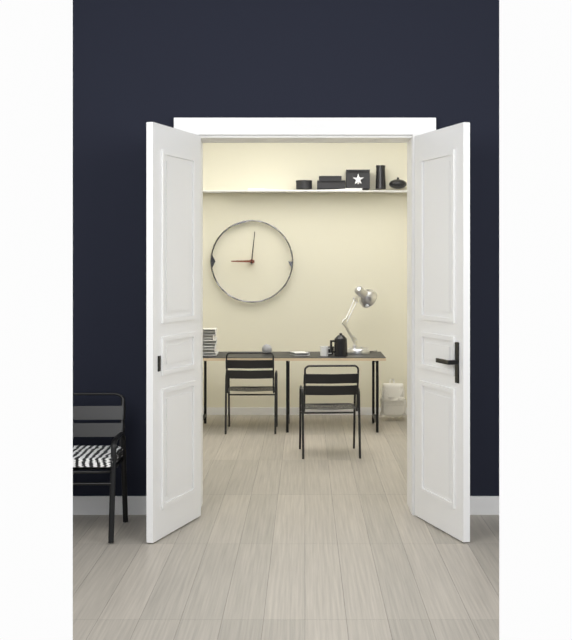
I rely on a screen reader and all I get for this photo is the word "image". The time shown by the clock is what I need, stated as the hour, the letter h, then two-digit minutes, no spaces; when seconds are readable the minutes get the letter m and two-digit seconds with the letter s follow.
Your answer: 9h01
